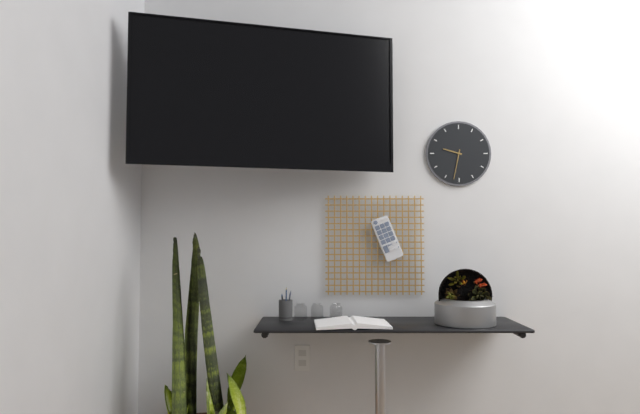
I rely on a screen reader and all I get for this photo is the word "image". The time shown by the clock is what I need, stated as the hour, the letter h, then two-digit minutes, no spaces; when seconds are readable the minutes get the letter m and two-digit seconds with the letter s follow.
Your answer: 9h32
